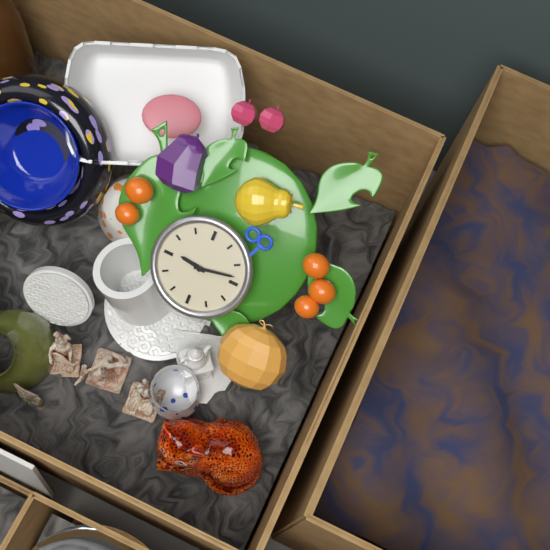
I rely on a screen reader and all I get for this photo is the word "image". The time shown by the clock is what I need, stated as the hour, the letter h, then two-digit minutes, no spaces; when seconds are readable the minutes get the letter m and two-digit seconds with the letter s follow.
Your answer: 9h13
